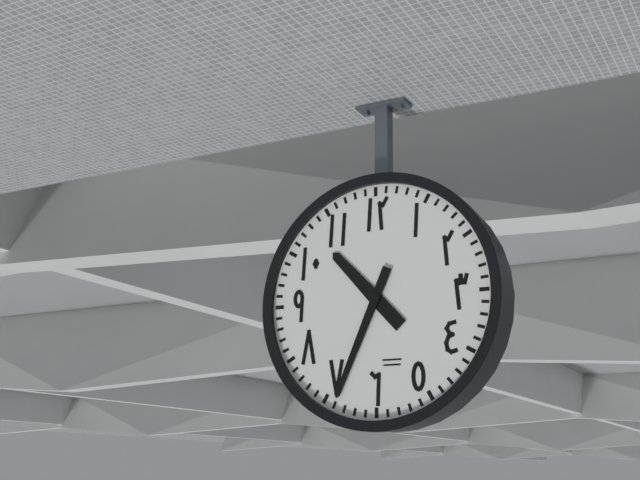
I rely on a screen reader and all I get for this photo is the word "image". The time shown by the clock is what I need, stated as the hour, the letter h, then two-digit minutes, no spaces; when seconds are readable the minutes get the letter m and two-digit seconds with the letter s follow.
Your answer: 10h34
